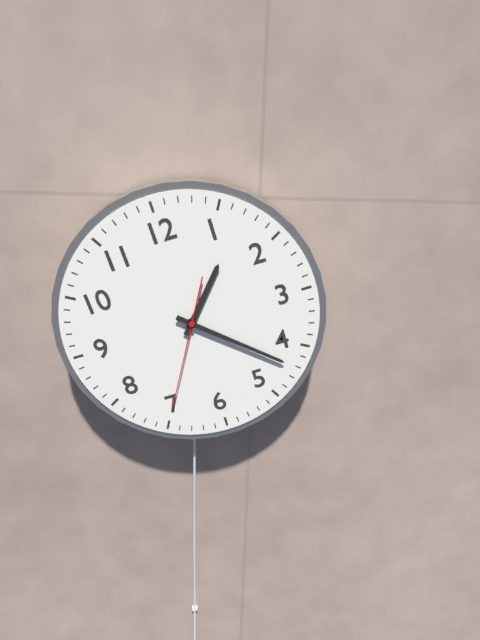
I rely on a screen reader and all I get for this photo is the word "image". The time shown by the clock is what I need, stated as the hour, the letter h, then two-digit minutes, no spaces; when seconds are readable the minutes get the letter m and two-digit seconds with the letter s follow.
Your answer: 1h22m35s
